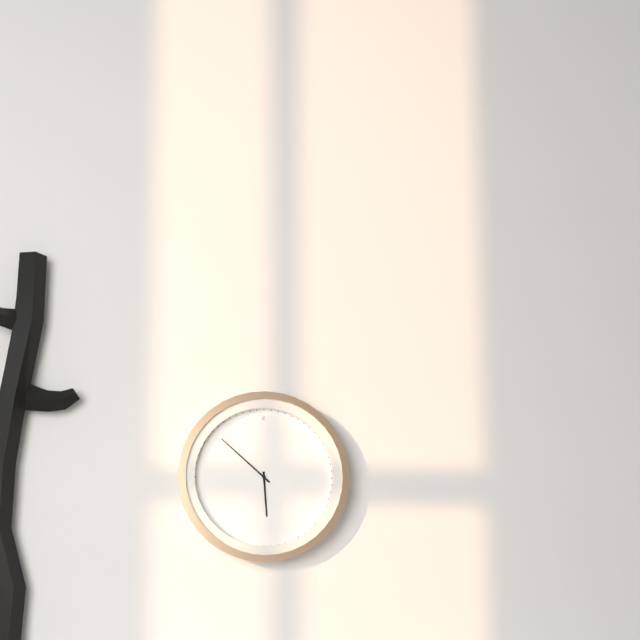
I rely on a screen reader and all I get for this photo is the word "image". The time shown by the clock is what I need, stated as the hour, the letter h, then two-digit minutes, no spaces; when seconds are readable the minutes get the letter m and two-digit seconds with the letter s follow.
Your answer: 5h52
